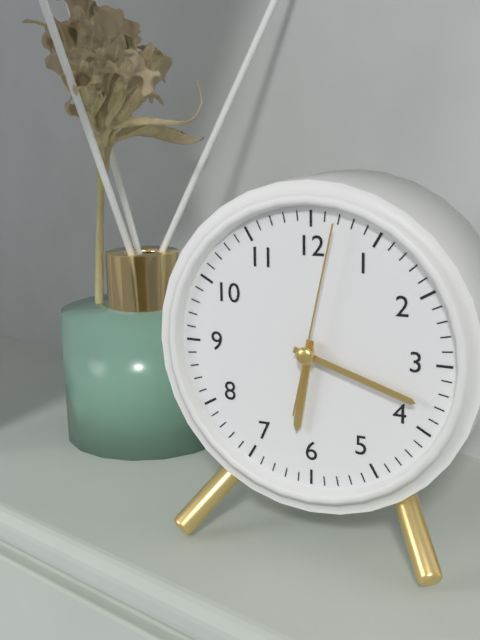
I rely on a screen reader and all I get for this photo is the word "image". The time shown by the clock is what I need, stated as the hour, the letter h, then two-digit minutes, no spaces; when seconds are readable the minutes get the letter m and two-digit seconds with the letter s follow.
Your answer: 6h18m02s
